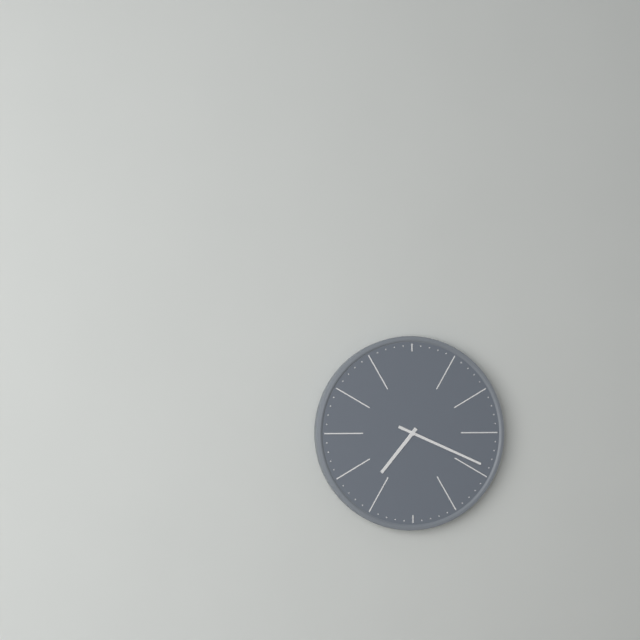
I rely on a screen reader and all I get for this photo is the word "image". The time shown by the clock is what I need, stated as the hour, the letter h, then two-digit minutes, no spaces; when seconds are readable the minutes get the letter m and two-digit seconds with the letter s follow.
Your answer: 7h19
